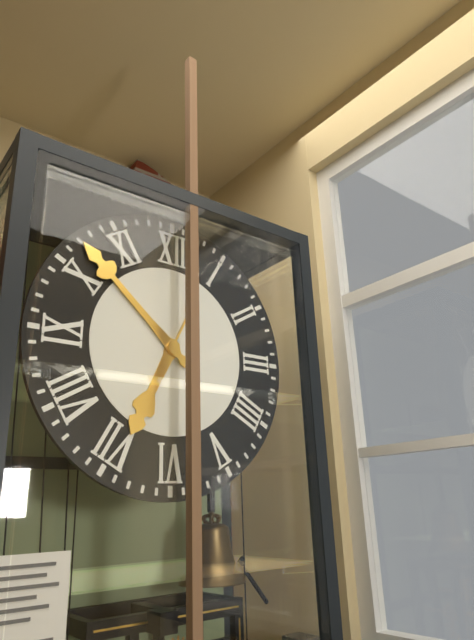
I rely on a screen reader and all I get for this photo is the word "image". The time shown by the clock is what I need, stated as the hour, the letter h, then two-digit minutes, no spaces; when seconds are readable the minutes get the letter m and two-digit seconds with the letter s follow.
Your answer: 6h52
